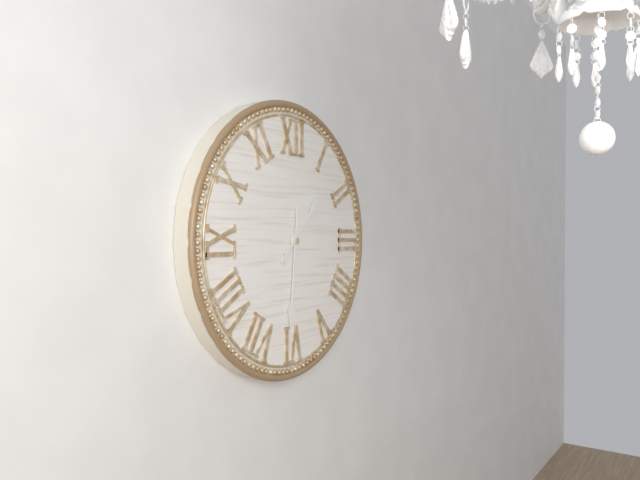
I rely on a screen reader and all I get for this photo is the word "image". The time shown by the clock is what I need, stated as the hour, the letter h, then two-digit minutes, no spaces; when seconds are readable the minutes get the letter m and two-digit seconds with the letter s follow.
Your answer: 1h31
